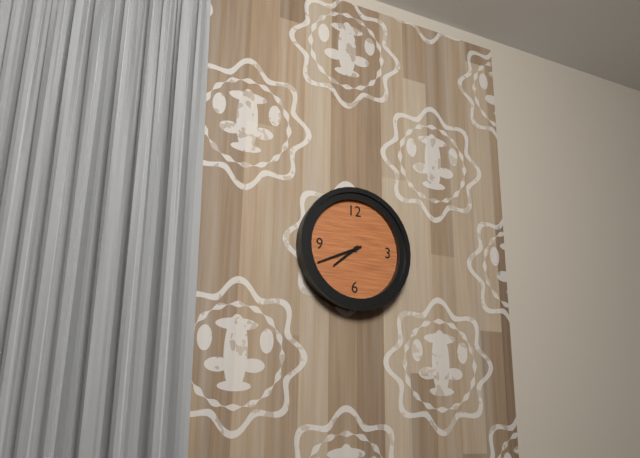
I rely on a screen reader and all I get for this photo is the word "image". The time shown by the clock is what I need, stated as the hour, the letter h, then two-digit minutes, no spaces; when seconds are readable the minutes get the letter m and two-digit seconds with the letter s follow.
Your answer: 7h41
